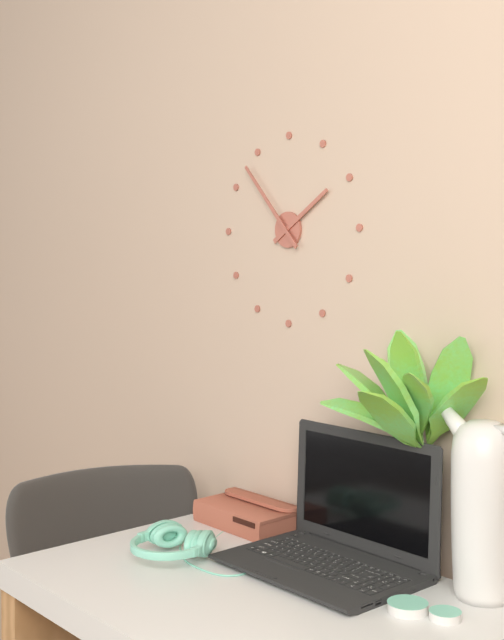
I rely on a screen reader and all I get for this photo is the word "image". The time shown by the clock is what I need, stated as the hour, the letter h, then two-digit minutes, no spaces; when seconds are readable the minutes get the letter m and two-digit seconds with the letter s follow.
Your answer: 1h53
